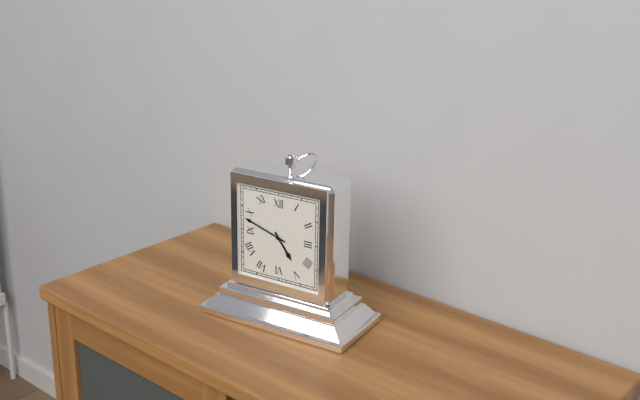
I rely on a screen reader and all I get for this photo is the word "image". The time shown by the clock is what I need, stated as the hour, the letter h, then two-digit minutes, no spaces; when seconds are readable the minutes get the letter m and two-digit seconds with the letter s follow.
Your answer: 4h48
